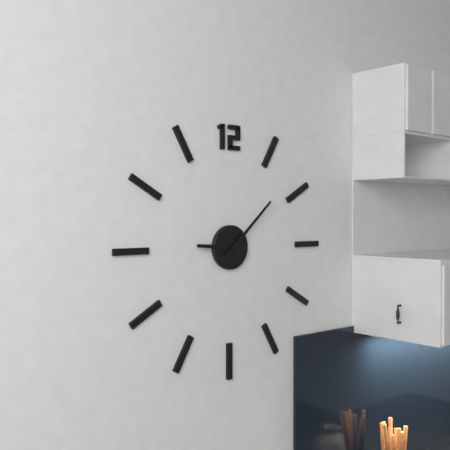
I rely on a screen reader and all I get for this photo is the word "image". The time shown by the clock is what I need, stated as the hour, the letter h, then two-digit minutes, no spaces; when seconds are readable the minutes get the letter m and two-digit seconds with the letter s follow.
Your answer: 9h08
